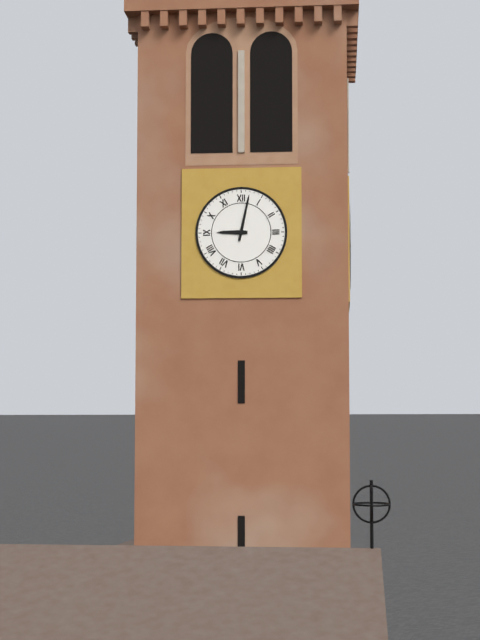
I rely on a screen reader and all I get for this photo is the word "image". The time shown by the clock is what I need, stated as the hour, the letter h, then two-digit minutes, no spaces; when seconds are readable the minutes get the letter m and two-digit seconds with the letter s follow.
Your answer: 9h02
